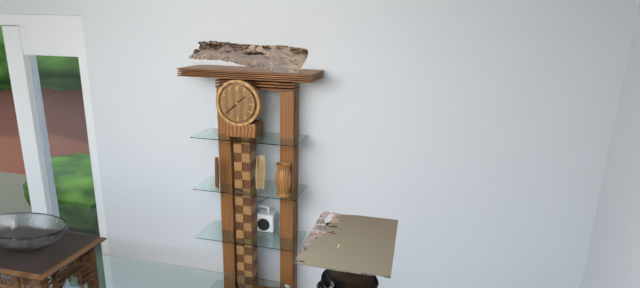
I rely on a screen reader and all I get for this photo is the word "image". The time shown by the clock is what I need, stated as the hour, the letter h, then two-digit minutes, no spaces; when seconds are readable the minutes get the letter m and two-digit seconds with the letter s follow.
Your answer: 1h38
